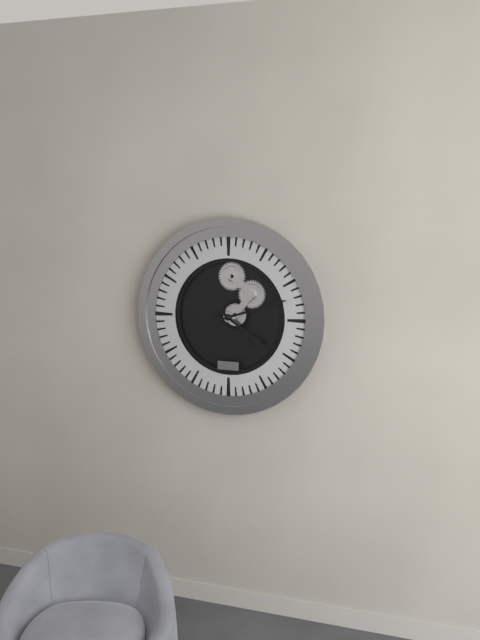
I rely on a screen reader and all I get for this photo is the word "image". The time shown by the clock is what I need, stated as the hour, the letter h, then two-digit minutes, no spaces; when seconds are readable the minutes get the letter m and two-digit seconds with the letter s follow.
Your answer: 4h12
